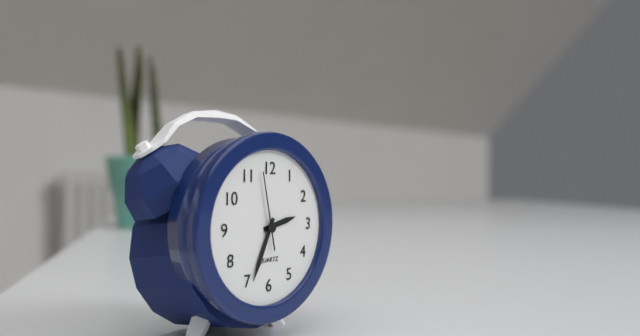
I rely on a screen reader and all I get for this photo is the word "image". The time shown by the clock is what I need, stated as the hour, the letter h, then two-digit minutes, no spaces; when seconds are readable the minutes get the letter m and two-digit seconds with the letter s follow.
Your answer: 2h34m58s
